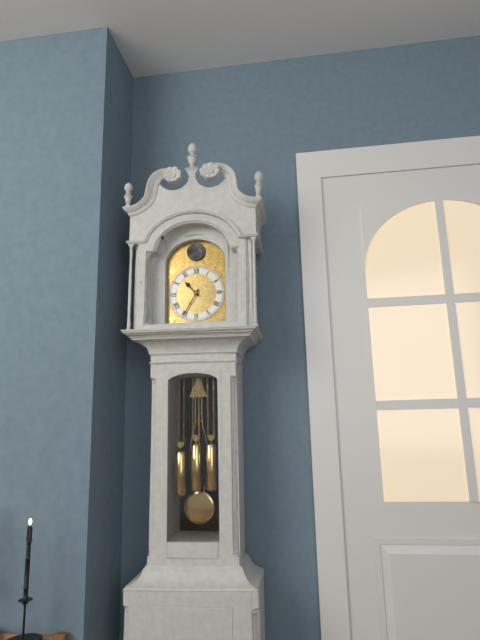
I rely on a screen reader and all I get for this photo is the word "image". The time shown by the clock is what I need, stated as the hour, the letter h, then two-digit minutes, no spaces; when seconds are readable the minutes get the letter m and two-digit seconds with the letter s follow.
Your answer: 10h35
